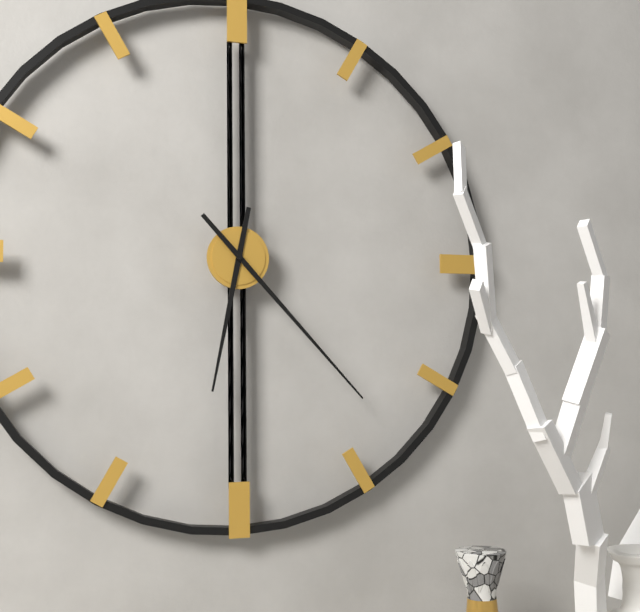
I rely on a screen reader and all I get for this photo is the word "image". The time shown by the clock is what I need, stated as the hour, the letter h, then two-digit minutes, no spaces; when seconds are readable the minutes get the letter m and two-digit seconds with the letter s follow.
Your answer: 6h23
